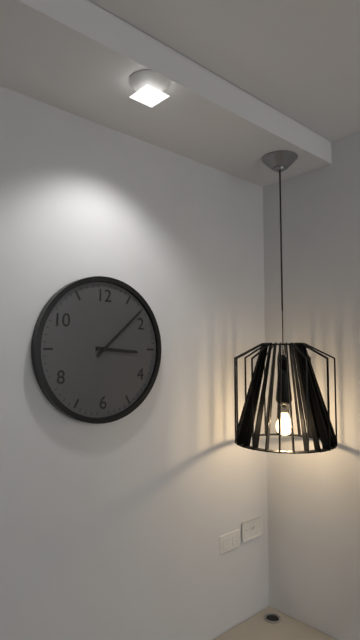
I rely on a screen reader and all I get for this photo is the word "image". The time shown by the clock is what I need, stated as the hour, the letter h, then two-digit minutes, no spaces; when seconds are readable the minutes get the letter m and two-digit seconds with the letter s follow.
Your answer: 3h08
